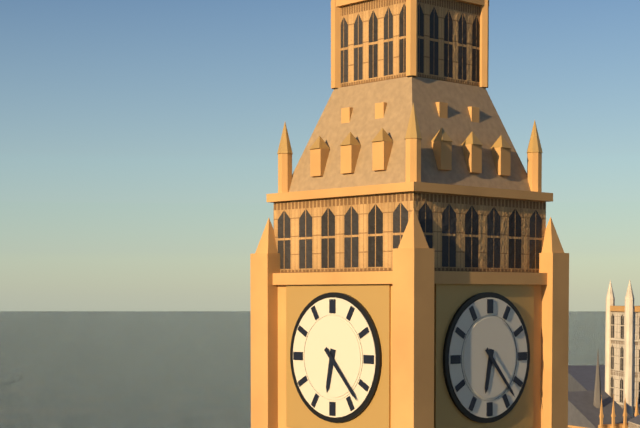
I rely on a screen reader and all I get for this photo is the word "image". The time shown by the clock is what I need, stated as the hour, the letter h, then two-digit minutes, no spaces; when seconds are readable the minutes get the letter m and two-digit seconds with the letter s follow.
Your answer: 6h23
